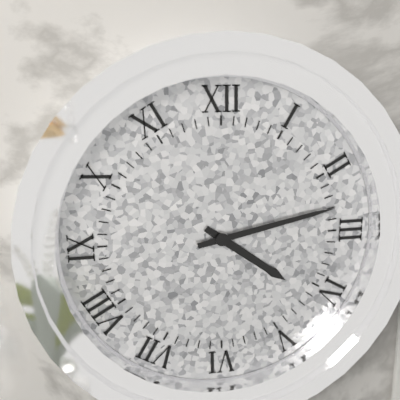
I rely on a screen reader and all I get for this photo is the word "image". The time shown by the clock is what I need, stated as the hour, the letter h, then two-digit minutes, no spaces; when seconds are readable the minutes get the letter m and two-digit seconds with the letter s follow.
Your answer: 4h13
